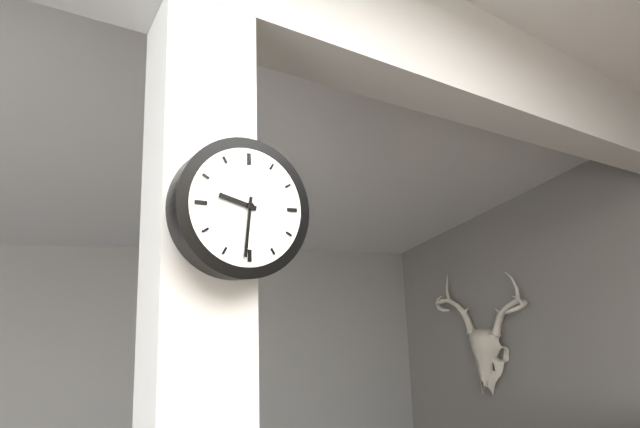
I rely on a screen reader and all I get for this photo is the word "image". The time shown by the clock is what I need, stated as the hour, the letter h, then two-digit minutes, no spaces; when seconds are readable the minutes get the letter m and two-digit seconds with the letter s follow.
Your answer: 9h31
